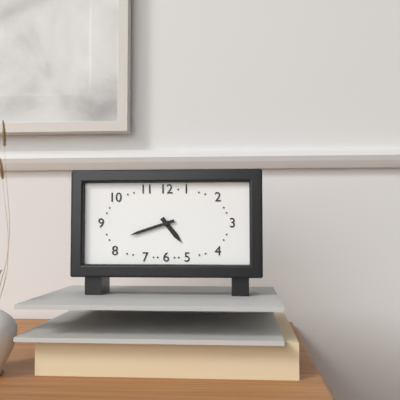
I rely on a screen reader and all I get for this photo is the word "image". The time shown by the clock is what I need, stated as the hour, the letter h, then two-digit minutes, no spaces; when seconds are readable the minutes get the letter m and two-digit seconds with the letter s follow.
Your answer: 4h42
